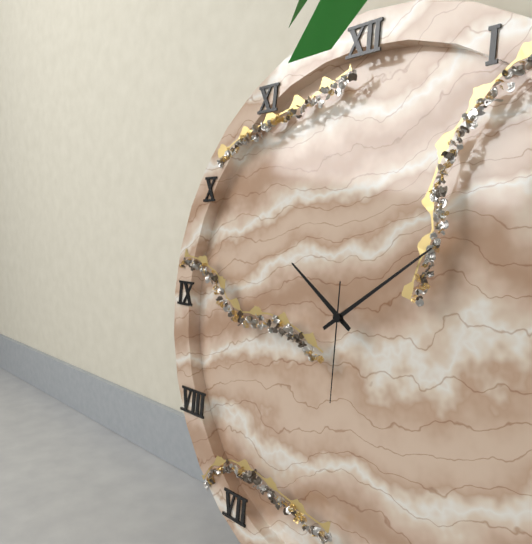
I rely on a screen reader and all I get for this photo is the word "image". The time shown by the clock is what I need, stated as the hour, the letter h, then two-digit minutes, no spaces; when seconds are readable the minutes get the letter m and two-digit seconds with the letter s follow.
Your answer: 10h09m30s
